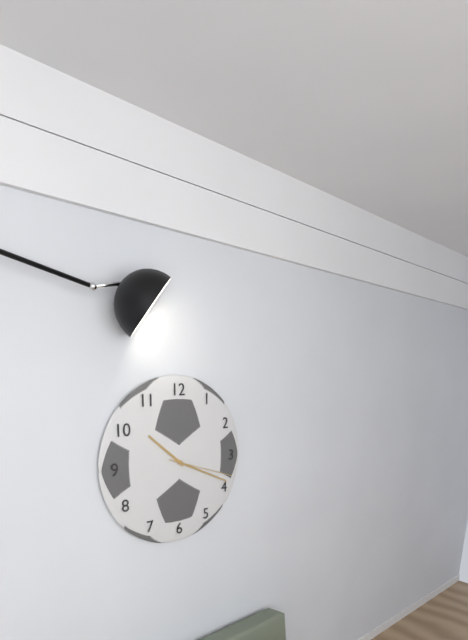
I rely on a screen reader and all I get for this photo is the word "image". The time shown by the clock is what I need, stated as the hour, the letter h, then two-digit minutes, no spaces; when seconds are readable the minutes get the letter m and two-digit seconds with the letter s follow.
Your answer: 10h19m18s
